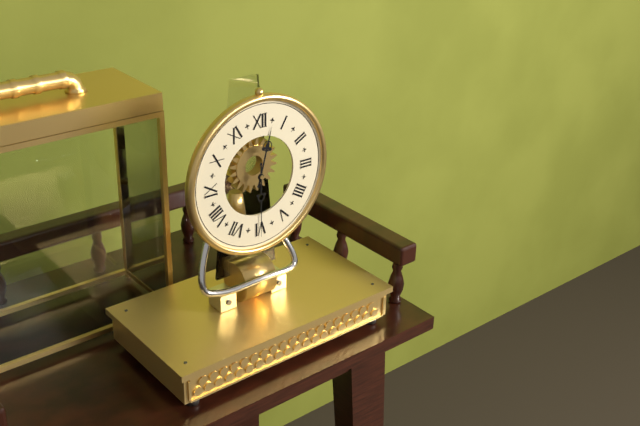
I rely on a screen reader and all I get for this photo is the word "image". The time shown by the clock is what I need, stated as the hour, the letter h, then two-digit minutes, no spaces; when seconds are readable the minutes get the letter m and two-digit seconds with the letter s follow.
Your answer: 12h30
